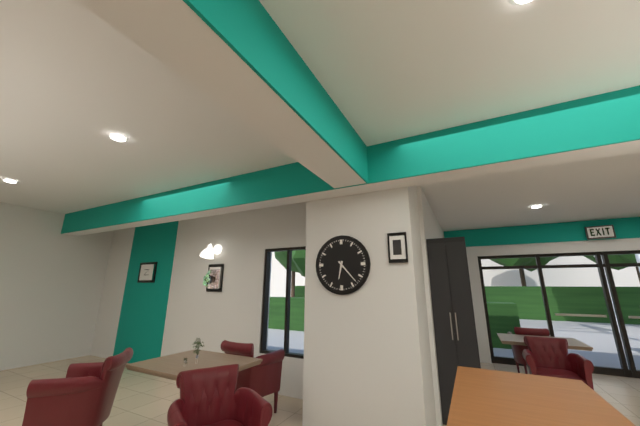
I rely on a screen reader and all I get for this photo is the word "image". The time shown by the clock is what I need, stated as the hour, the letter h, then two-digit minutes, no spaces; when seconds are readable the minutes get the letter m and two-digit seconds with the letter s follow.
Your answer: 6h23
